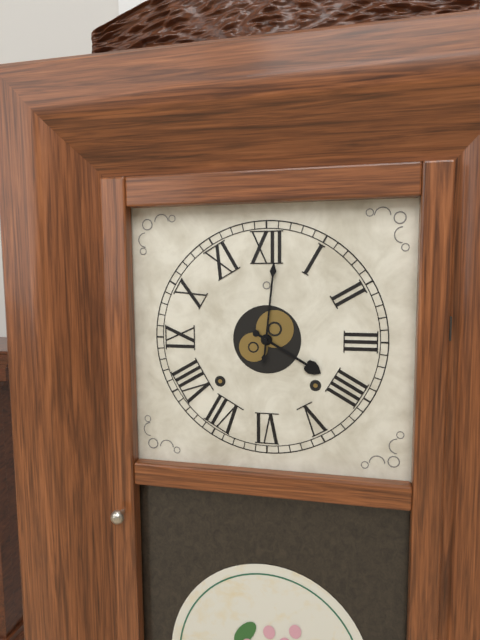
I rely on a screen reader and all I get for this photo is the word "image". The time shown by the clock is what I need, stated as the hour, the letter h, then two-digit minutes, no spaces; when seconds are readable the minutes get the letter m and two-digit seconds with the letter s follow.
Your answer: 4h01
